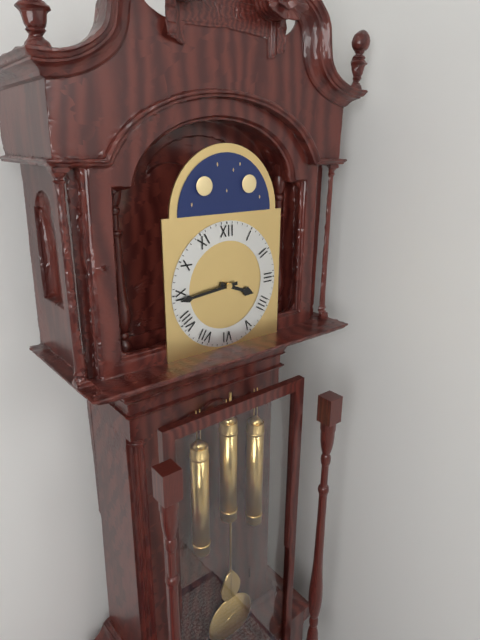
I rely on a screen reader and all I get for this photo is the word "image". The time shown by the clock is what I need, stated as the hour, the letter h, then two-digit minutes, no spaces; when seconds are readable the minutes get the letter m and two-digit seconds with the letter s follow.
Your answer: 3h44
